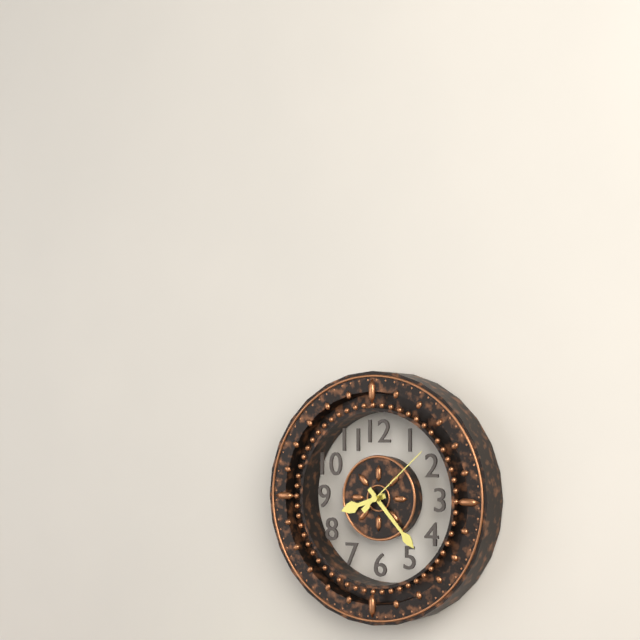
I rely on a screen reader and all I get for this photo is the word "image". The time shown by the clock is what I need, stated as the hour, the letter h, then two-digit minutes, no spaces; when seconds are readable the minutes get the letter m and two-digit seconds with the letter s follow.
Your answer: 8h23m08s
